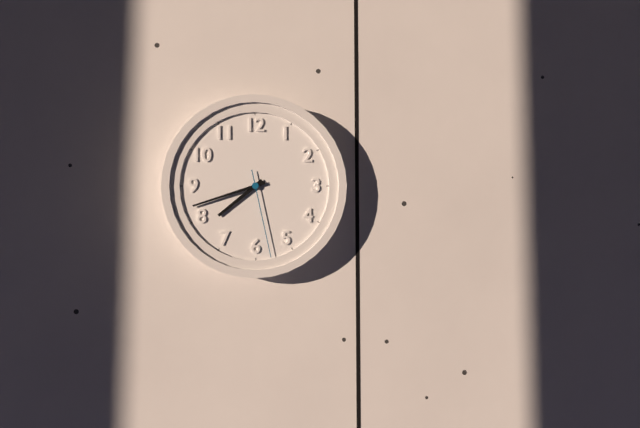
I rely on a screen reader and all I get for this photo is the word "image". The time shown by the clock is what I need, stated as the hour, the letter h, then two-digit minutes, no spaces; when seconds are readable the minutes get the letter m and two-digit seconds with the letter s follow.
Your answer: 7h42m28s
